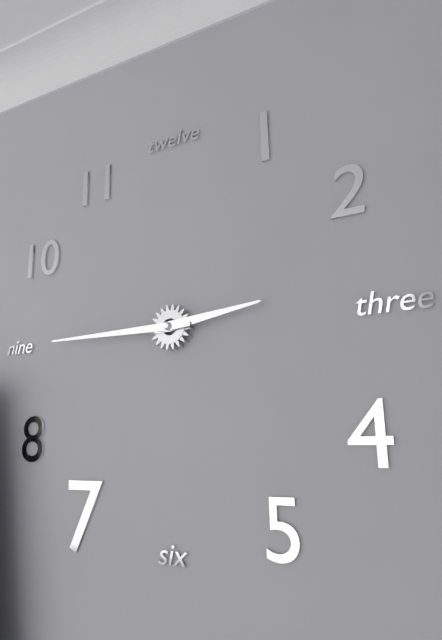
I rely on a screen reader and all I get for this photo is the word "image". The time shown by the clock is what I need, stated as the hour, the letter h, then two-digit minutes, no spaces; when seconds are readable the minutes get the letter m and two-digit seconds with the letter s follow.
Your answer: 2h45
